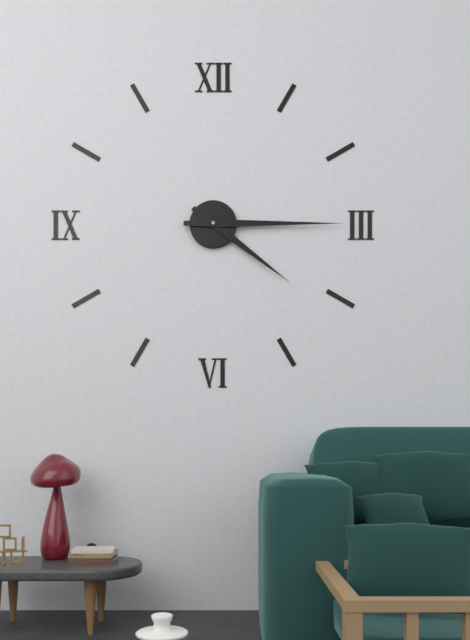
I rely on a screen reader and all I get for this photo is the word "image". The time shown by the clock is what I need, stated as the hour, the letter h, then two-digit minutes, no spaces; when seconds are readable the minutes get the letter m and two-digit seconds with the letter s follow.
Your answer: 4h15
